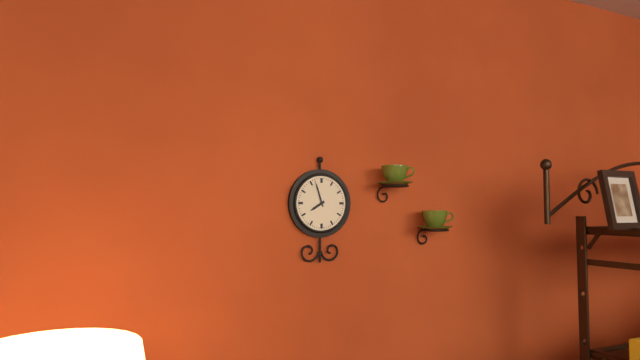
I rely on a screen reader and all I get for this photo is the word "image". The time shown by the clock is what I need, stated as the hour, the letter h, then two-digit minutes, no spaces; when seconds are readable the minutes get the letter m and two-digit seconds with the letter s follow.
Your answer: 7h57
